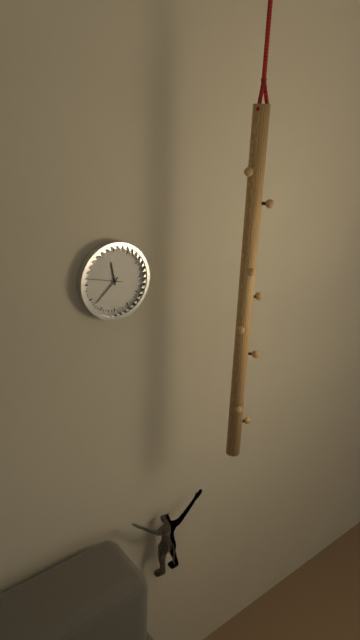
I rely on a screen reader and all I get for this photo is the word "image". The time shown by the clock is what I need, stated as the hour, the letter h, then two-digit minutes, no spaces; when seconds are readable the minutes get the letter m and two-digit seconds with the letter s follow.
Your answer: 11h38
